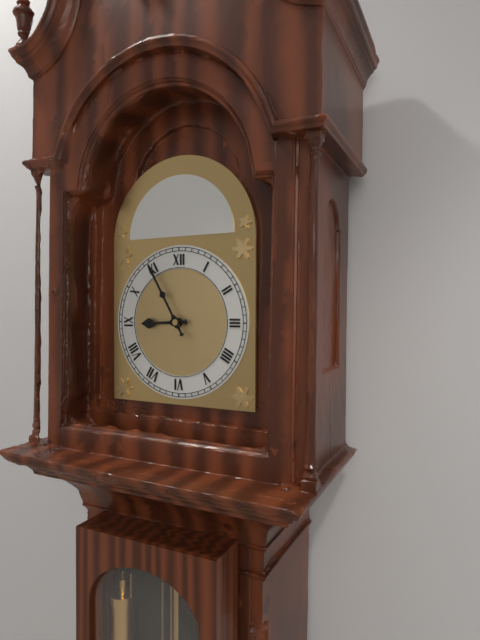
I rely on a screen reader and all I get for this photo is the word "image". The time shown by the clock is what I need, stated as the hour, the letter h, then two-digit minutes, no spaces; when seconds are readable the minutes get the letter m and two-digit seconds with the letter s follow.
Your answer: 8h55
